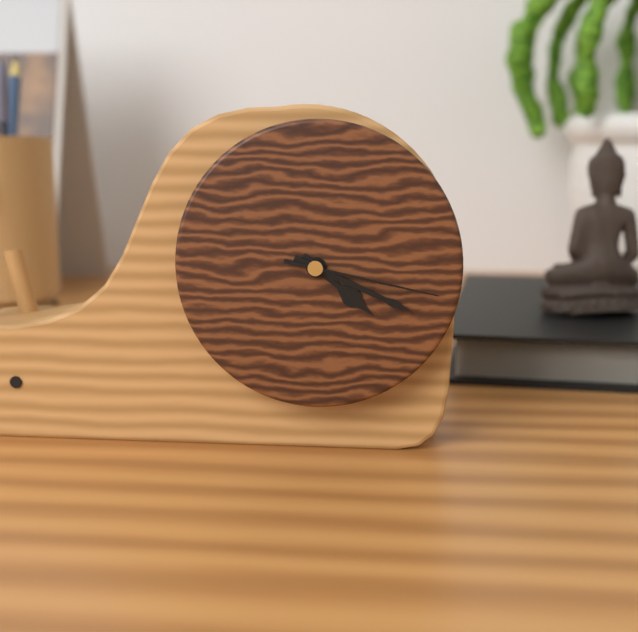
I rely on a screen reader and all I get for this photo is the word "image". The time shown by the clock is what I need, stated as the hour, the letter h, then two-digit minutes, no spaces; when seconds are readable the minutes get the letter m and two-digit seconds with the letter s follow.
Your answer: 4h19m17s
